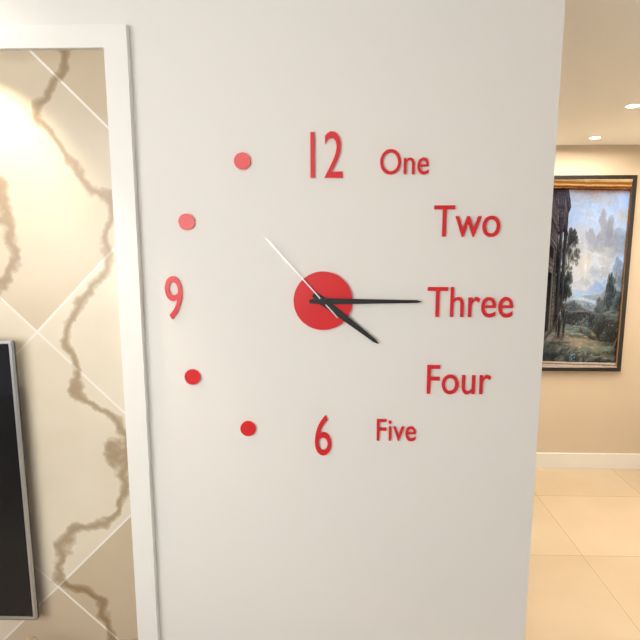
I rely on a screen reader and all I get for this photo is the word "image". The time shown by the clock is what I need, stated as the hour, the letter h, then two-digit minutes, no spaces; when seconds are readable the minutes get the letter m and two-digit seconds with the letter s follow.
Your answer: 4h15m53s
